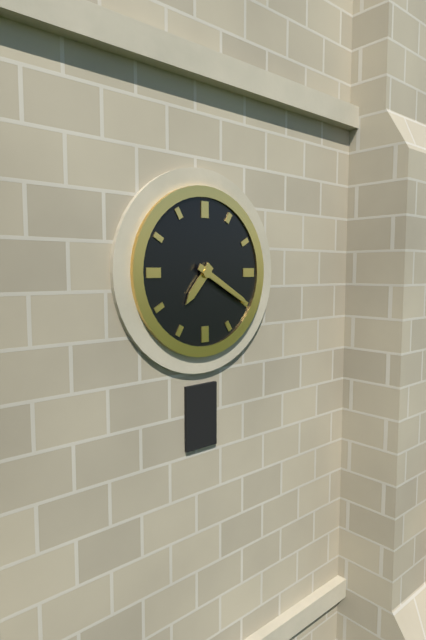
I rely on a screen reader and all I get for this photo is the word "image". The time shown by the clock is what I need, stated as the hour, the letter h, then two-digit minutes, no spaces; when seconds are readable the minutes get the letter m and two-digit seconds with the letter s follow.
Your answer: 7h20
